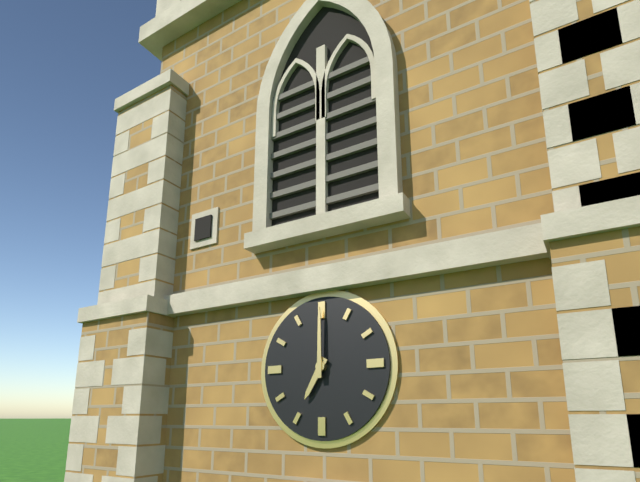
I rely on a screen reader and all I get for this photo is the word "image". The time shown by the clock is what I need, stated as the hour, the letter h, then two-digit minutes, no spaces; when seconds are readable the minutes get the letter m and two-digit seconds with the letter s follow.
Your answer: 7h00
